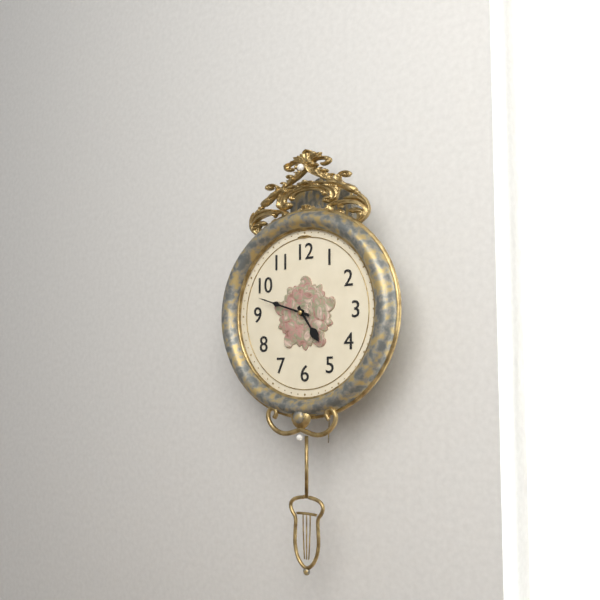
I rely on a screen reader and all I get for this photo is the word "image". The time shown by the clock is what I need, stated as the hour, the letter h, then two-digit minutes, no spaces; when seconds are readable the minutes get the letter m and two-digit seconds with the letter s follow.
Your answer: 4h48
